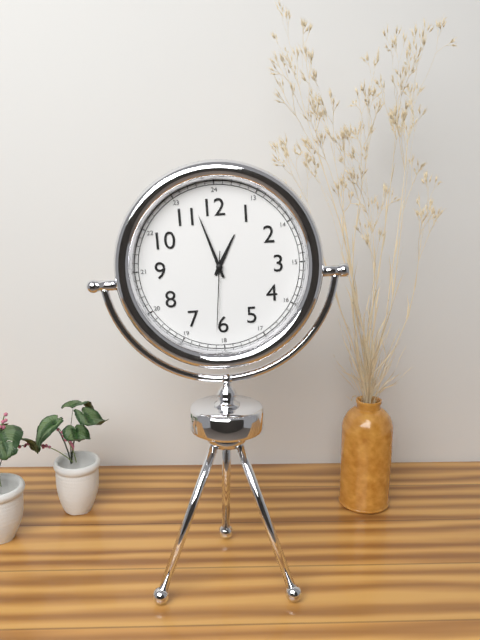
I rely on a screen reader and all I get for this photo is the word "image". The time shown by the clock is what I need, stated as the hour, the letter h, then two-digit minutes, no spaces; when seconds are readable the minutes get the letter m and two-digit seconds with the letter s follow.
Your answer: 12h57m31s
